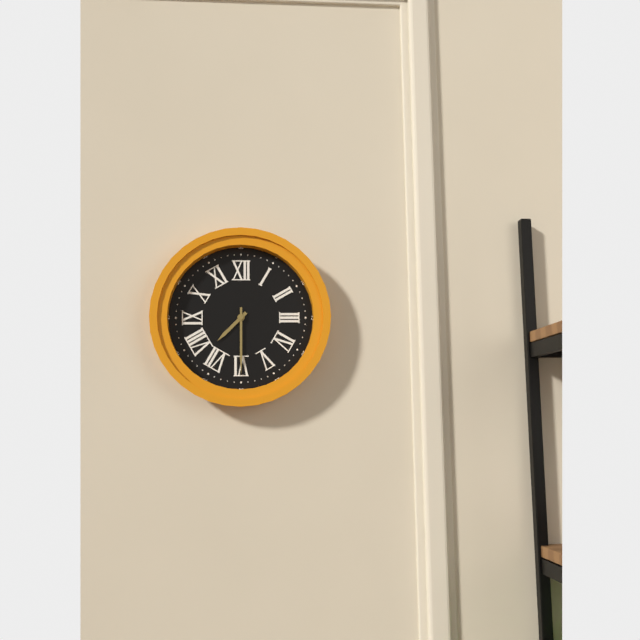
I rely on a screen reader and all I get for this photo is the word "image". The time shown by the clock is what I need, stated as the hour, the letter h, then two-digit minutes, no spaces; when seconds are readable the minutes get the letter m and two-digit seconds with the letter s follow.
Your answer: 7h30
